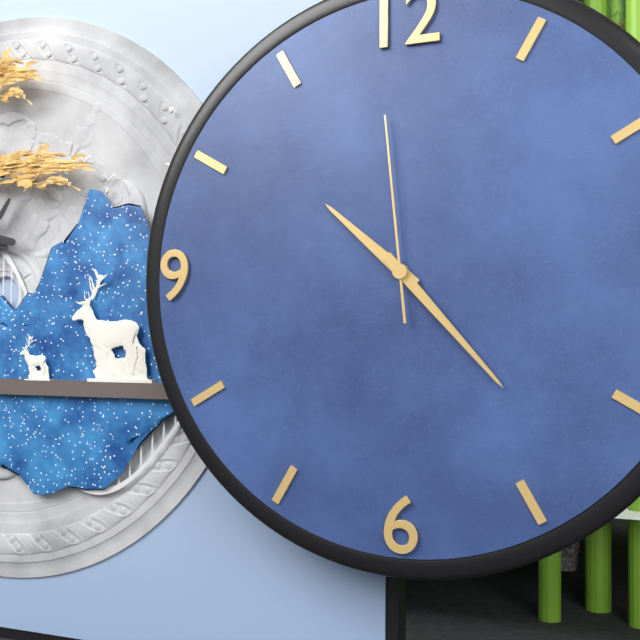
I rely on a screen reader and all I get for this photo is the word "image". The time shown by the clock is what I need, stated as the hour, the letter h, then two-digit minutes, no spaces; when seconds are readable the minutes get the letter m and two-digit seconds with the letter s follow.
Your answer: 10h23m59s
